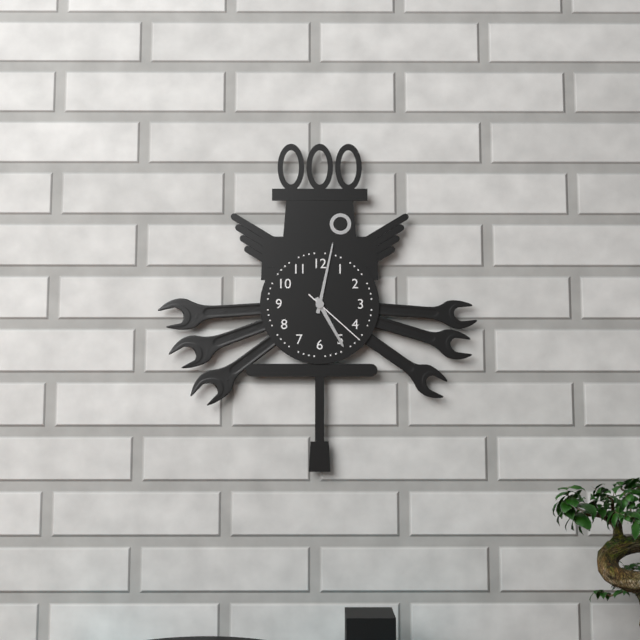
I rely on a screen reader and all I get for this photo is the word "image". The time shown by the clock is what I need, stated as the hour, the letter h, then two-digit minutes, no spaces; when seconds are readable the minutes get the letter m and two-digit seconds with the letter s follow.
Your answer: 5h02m22s
